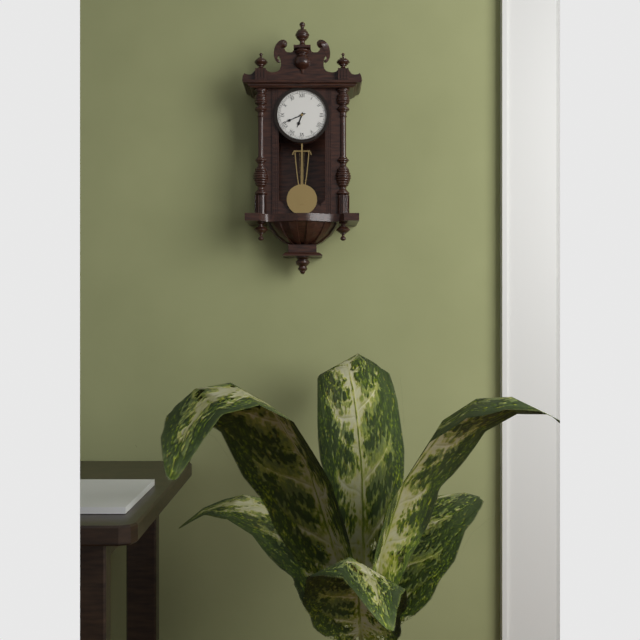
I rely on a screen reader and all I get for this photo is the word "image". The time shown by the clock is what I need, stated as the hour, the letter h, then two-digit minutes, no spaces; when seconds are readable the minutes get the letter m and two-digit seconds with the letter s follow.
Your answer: 6h41
